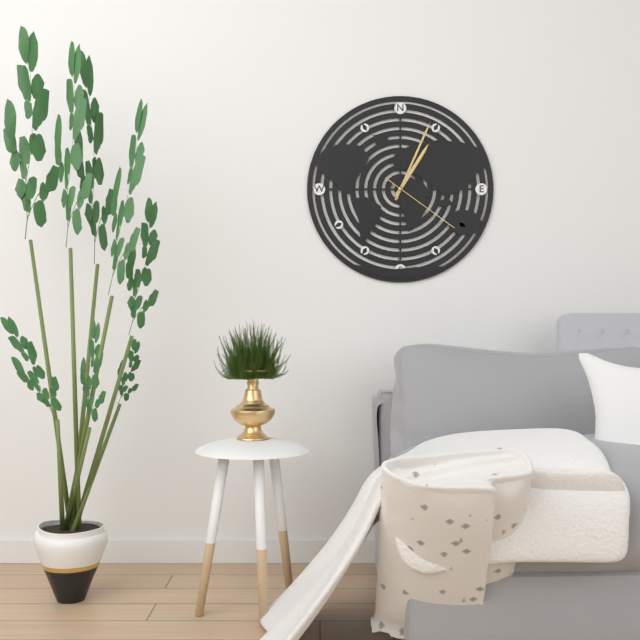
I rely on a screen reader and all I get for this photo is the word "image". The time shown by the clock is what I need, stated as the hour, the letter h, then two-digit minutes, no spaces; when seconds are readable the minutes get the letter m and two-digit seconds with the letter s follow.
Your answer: 1h04m21s
